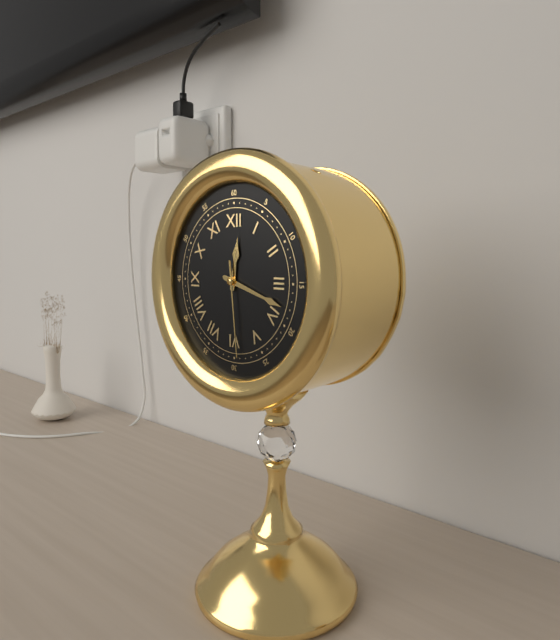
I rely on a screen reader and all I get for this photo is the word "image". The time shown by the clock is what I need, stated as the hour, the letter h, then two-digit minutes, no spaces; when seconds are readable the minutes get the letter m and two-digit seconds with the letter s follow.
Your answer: 12h18m29s
